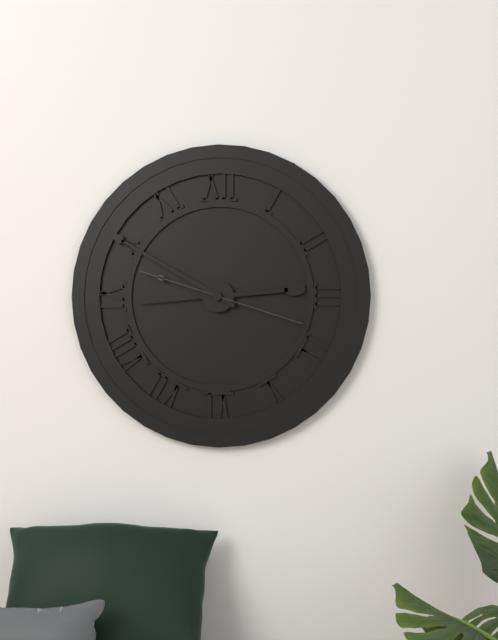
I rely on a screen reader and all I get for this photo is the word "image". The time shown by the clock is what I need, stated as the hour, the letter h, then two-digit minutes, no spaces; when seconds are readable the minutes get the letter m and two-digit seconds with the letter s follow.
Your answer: 2h50m18s
